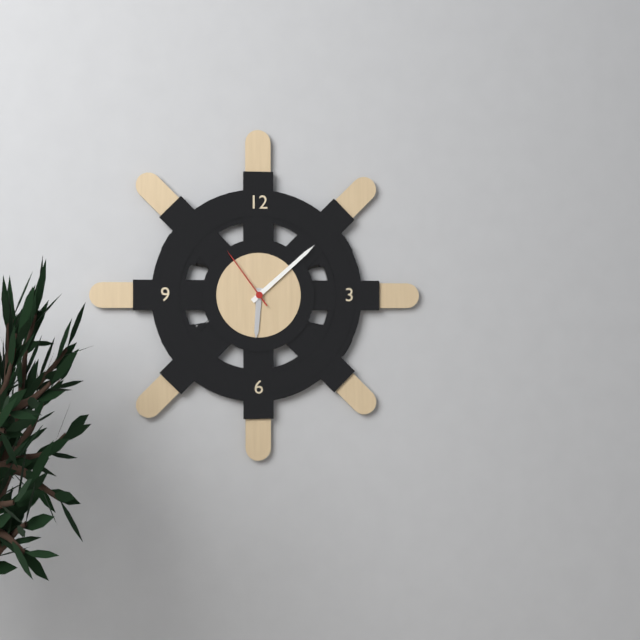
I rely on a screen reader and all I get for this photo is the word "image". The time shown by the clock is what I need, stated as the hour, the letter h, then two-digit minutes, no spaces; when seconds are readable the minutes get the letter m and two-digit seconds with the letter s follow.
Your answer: 6h08m54s
